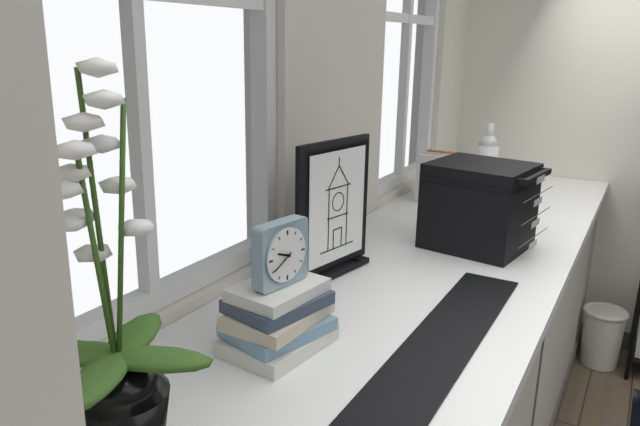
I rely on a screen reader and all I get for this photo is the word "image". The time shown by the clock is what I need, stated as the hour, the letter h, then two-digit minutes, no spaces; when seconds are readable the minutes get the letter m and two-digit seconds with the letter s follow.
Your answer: 9h40
